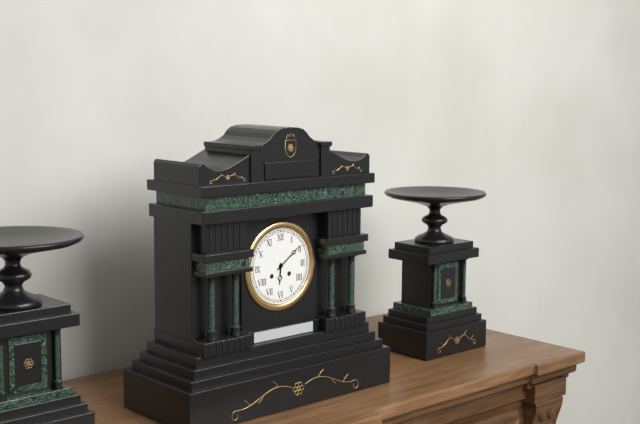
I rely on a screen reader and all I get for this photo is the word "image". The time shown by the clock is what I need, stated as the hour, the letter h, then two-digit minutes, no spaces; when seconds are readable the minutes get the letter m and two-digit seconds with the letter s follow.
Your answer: 6h09
